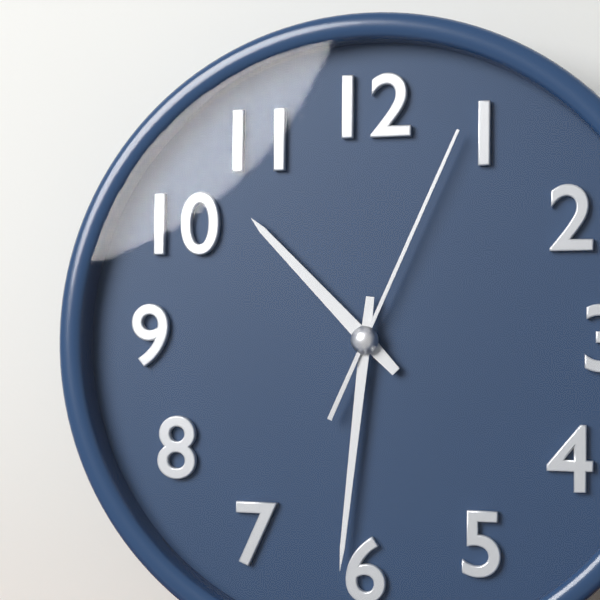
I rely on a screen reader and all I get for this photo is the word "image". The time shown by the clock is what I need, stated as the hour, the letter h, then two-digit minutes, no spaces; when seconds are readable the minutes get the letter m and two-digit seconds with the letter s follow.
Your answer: 10h31m04s
